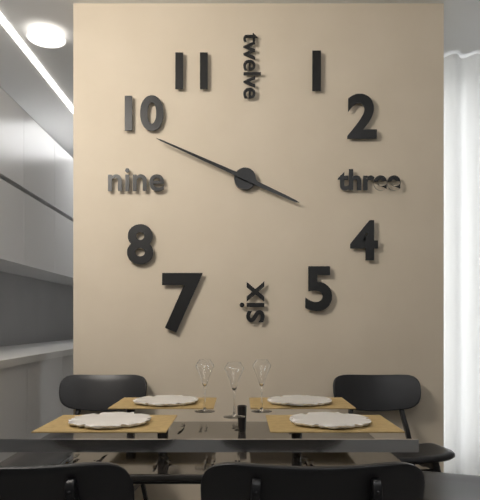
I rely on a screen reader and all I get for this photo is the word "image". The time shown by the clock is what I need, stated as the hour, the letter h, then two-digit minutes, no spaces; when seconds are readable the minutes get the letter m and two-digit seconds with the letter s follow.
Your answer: 3h49
